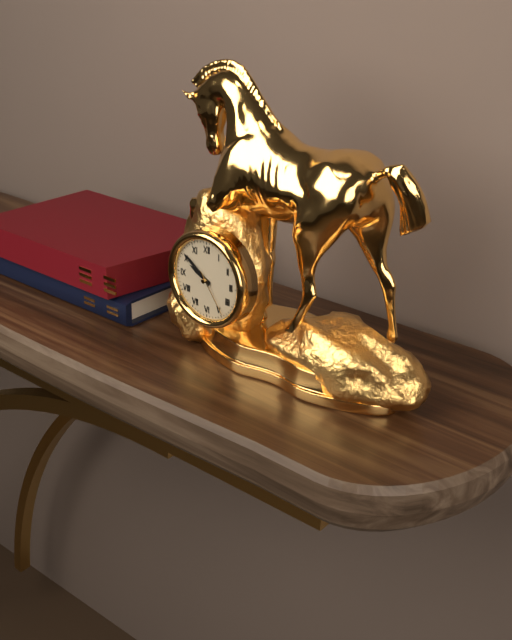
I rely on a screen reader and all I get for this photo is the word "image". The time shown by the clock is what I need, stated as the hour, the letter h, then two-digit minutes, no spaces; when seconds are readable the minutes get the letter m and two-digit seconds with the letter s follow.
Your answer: 9h51
